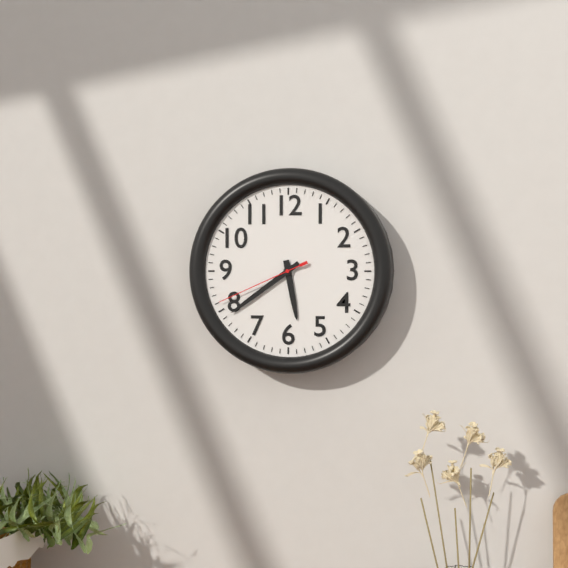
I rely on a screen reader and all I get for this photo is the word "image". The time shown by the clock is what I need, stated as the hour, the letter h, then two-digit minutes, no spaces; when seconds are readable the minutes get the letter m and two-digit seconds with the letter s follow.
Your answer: 5h39m41s
